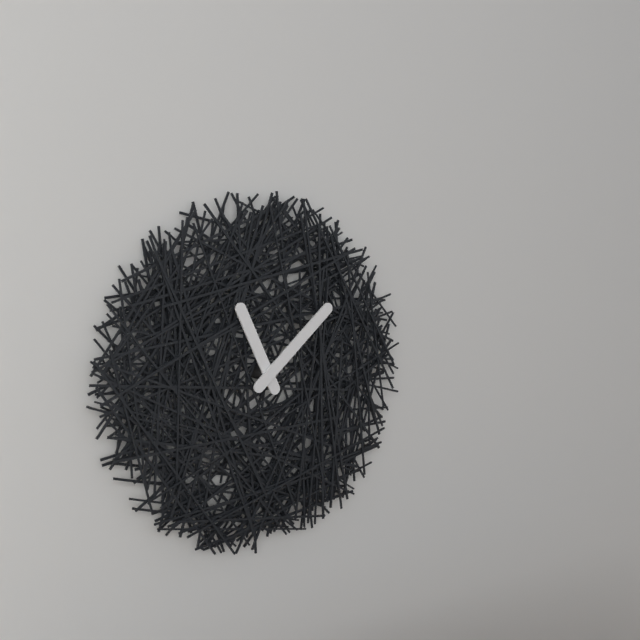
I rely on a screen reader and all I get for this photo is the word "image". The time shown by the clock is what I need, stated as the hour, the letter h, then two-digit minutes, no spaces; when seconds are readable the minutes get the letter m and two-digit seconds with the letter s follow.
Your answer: 11h08
